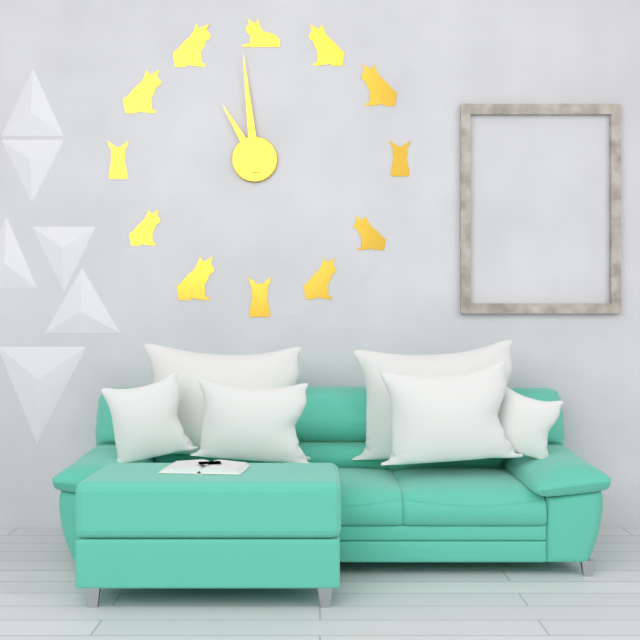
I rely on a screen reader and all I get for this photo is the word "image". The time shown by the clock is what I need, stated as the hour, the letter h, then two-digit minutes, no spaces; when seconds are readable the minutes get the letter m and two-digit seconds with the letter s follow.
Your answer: 10h59
